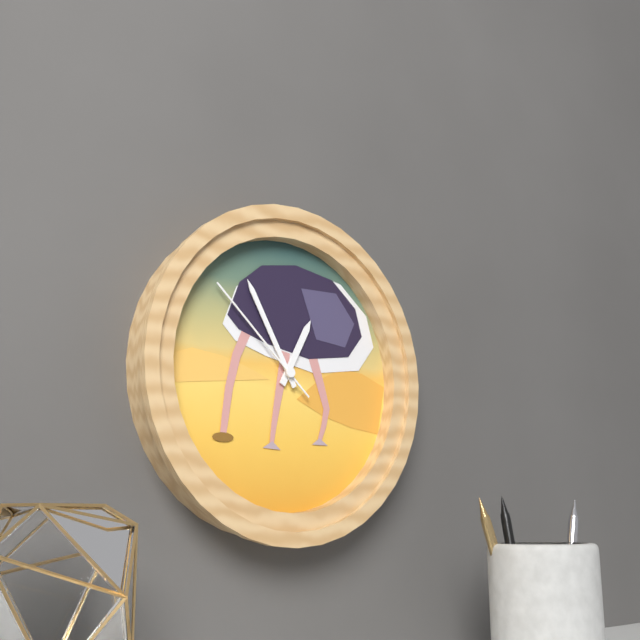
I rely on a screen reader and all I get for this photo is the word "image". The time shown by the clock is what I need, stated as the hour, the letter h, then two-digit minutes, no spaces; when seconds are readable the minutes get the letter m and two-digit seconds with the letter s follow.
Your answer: 12h55m52s
